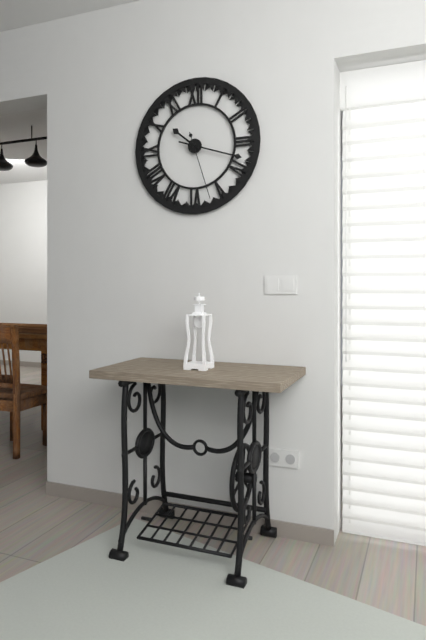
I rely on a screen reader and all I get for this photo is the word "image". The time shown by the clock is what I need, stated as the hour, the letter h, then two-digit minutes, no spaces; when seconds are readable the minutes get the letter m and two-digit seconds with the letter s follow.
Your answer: 10h18m27s
